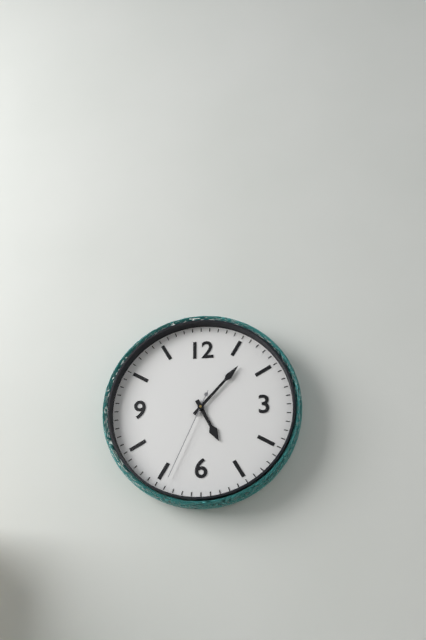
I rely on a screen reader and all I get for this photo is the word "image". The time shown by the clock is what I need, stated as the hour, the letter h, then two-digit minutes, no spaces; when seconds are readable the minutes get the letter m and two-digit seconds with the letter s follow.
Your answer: 5h07m34s
